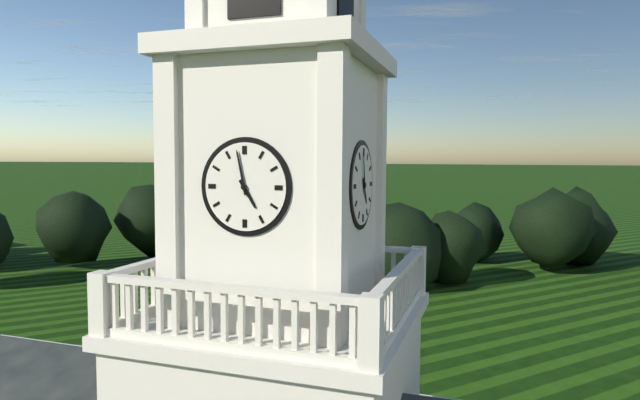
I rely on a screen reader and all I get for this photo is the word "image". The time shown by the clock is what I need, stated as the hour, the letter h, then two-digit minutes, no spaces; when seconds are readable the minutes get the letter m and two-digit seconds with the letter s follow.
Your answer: 4h58
